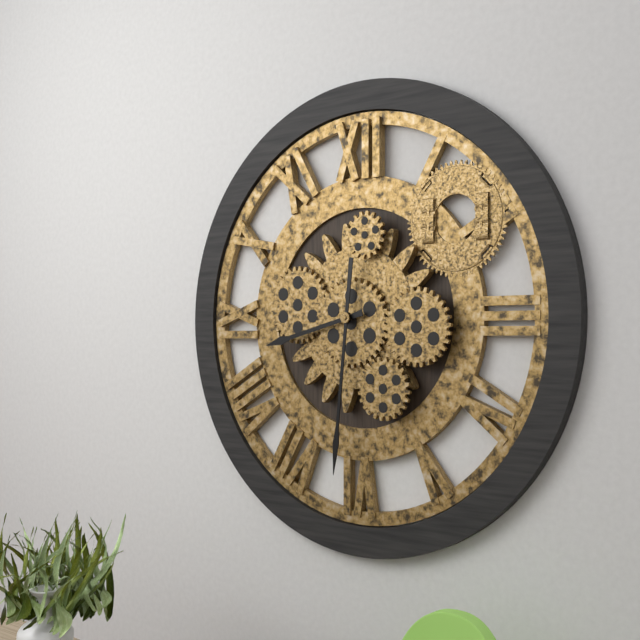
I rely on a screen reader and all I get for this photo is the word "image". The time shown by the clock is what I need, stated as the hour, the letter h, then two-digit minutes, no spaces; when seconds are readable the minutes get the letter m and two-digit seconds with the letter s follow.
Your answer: 8h31
